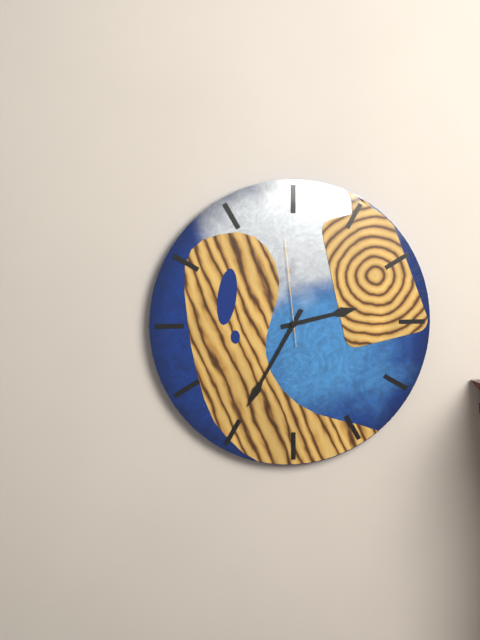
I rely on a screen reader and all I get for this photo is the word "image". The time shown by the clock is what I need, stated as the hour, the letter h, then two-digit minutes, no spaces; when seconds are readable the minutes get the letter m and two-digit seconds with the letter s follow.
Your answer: 2h35m59s
